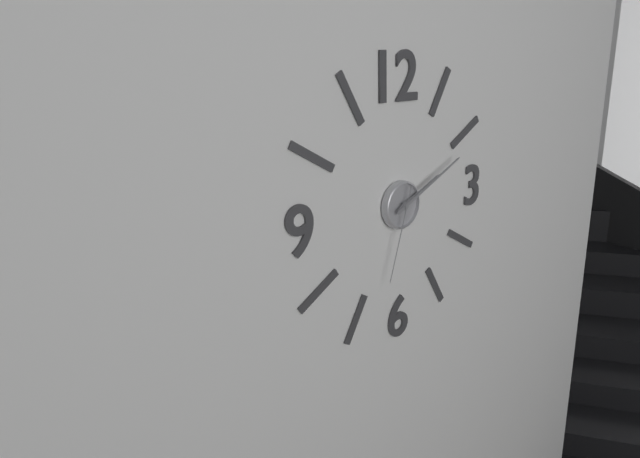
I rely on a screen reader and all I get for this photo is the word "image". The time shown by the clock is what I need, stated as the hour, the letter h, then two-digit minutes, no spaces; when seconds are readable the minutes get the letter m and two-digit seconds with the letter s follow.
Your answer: 2h11m33s
